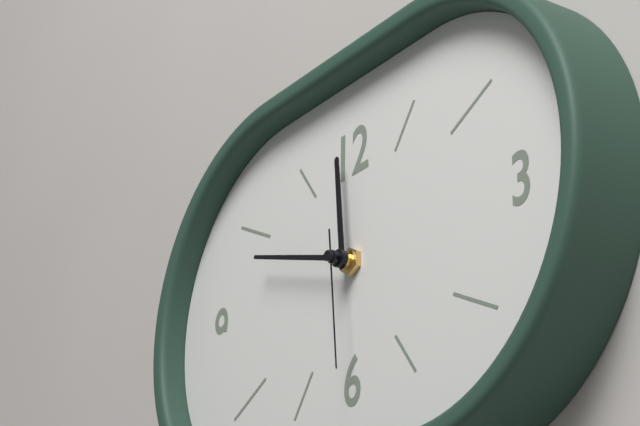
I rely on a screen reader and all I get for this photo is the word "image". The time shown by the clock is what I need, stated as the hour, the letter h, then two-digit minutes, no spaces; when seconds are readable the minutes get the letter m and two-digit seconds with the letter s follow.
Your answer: 11h48m29s
